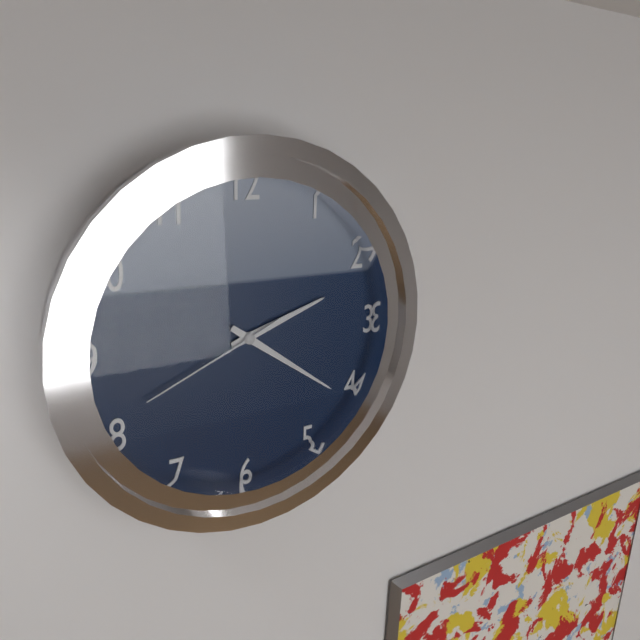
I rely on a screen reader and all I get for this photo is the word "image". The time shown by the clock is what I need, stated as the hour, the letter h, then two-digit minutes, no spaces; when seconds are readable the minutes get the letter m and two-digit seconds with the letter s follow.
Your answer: 2h21m41s
